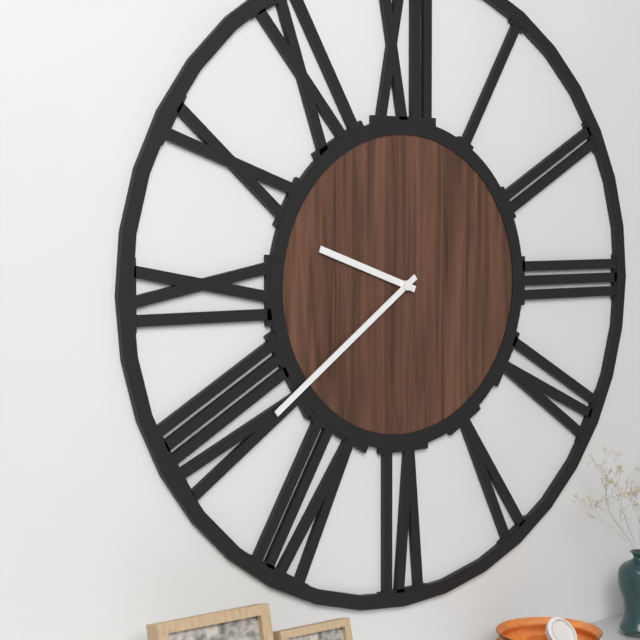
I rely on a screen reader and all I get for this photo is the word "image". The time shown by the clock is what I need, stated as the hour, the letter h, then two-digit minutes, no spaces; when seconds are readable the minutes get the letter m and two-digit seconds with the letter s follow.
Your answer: 9h39
